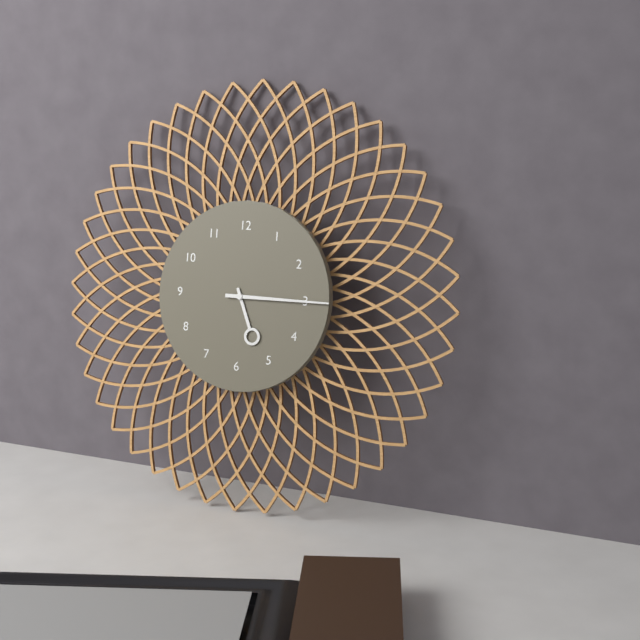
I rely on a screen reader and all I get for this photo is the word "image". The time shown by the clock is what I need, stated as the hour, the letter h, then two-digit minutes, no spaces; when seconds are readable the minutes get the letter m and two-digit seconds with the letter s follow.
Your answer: 5h15
